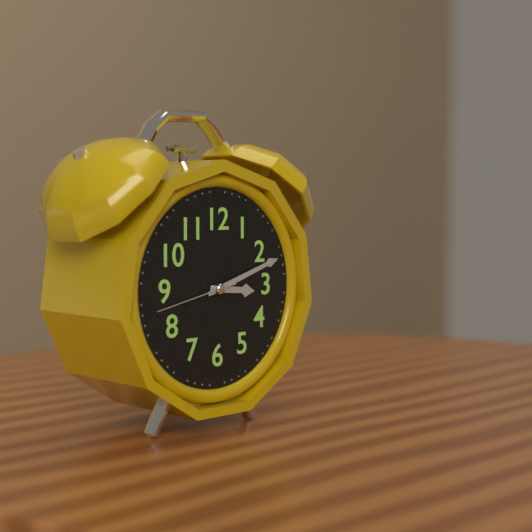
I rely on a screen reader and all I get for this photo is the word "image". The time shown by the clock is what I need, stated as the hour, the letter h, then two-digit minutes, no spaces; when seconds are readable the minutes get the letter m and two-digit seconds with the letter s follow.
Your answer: 3h12m43s
